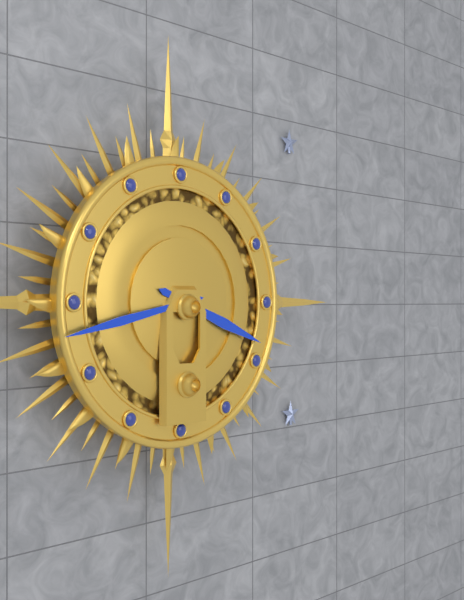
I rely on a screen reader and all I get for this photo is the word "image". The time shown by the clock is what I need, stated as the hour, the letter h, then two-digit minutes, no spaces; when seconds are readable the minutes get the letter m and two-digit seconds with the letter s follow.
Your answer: 3h43
